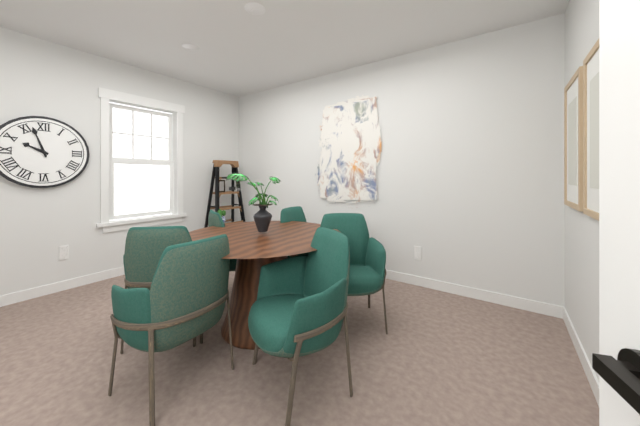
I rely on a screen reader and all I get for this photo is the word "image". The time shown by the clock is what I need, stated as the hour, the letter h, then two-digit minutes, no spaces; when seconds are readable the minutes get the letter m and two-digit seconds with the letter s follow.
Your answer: 9h57
